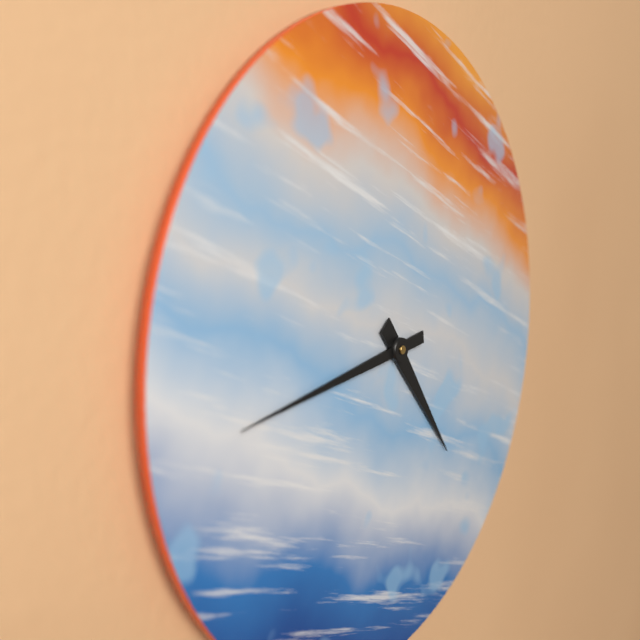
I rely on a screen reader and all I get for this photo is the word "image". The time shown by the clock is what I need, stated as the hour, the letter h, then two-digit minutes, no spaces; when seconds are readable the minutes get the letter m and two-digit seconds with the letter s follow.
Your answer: 4h44
